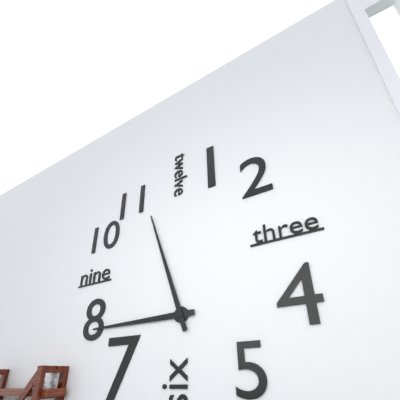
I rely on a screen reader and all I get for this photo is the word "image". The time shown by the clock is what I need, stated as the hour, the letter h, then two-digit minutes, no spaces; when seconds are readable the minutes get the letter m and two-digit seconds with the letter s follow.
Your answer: 8h57
